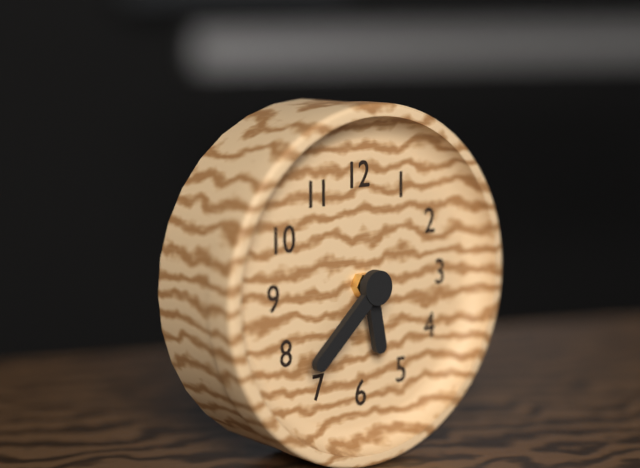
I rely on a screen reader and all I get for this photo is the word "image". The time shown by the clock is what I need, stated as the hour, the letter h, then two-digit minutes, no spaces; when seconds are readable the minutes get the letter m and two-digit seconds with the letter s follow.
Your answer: 5h38
